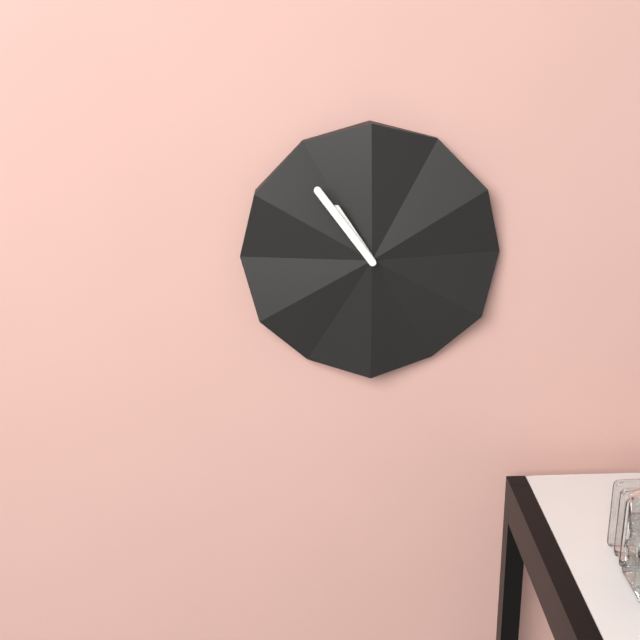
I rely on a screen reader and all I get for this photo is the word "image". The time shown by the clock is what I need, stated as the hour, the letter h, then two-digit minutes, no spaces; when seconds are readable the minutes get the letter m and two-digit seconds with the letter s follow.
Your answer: 10h54
